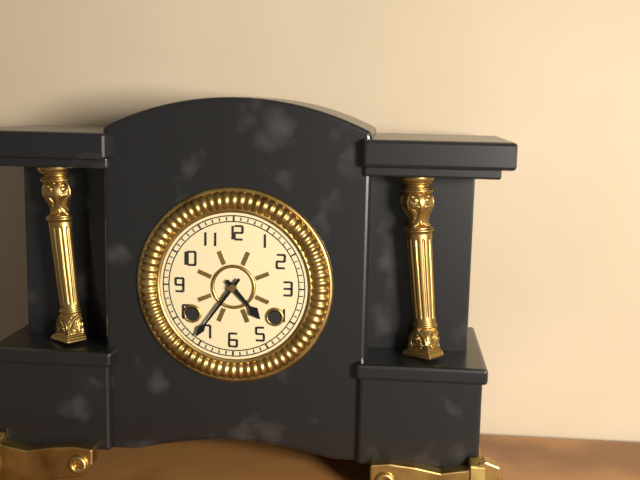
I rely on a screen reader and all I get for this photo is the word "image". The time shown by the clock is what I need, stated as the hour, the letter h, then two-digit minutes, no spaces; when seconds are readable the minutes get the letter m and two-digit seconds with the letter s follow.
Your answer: 4h36
